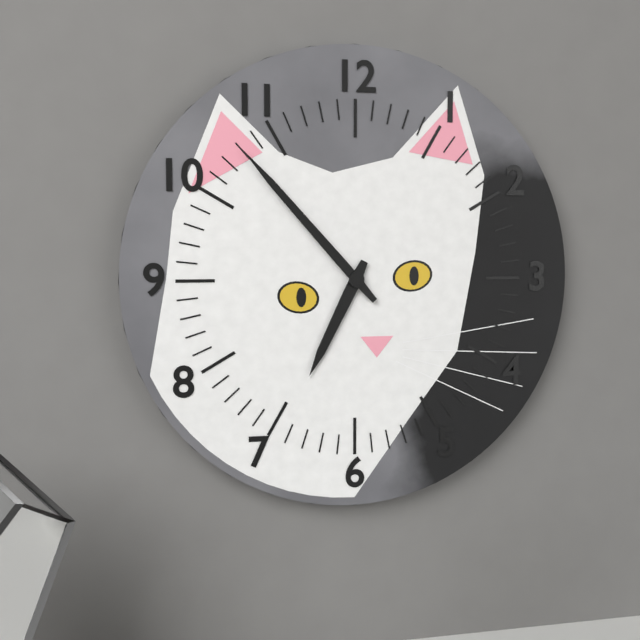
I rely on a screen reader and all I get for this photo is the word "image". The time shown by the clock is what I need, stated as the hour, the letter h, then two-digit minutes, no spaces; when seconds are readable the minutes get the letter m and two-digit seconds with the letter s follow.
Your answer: 6h53
